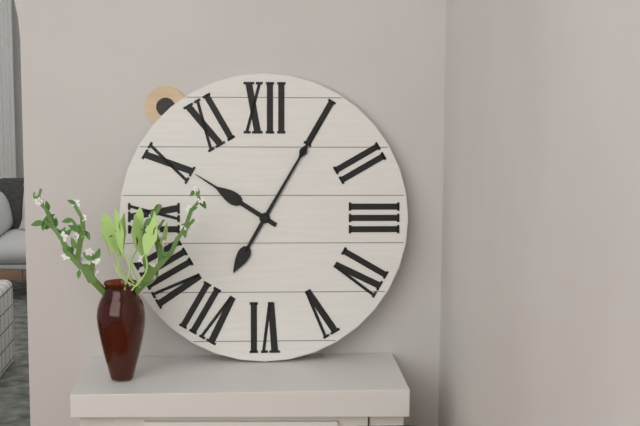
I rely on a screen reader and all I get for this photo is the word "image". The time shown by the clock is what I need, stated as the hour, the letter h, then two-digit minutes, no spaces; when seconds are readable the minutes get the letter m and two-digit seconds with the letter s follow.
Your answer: 10h05
